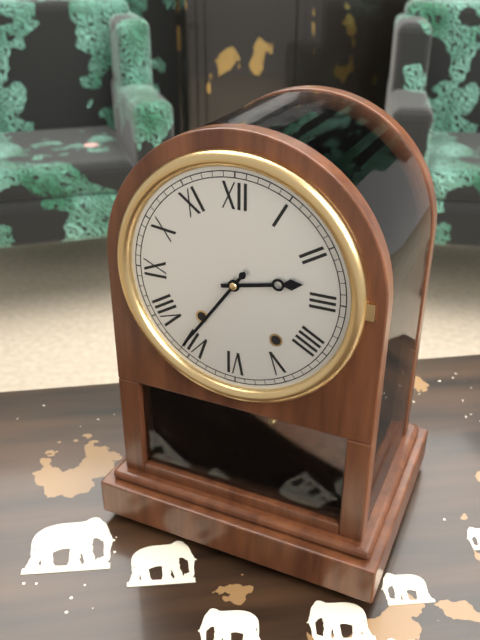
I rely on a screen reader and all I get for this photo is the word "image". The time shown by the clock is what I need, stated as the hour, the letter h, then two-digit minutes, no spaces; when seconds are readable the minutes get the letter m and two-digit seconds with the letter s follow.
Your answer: 2h36
